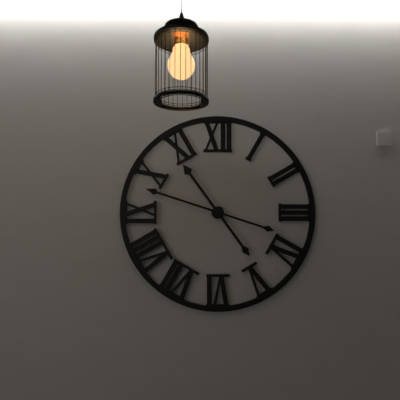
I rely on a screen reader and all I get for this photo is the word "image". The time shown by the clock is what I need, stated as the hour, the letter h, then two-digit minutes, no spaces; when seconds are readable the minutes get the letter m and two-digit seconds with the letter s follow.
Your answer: 10h48
